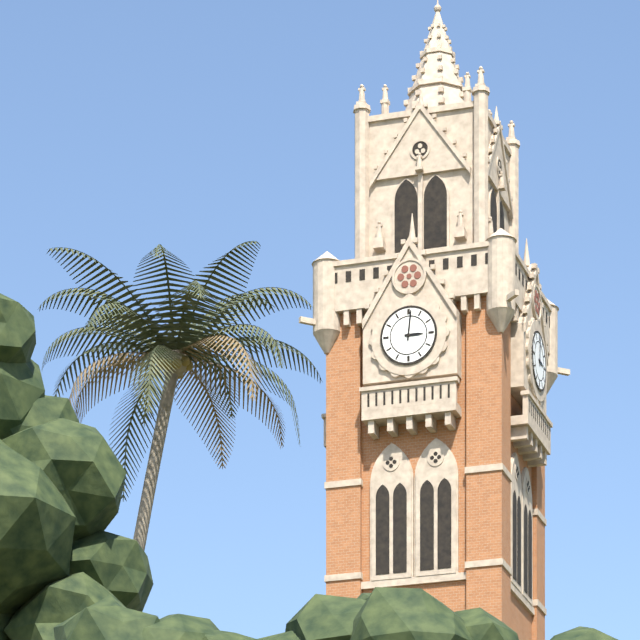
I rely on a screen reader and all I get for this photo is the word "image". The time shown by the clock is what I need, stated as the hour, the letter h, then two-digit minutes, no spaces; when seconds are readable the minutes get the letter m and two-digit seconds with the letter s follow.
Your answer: 3h01
